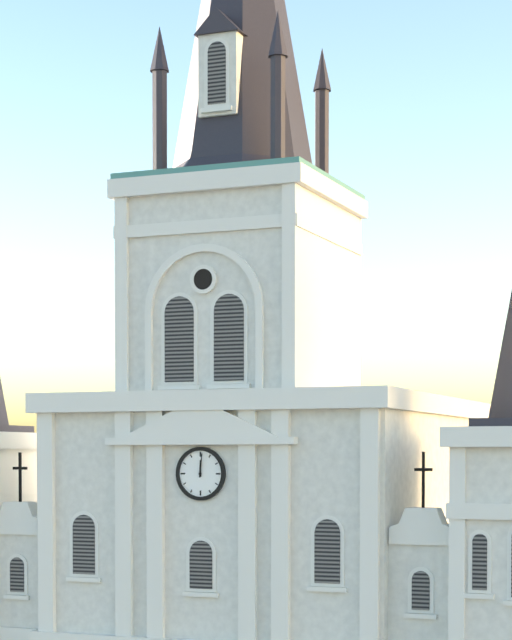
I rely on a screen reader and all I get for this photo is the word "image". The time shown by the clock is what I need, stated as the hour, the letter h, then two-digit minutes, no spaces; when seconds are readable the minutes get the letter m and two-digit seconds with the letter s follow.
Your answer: 12h01
